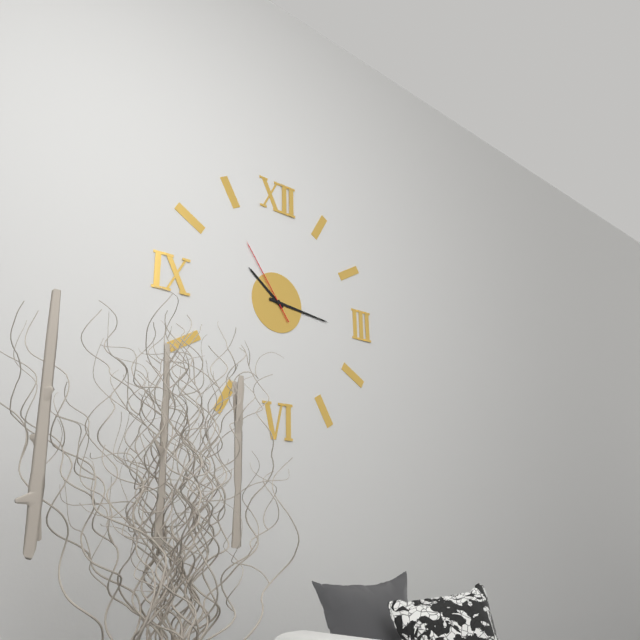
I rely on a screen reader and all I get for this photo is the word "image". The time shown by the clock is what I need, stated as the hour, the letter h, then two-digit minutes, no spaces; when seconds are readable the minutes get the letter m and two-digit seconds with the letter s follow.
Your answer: 10h16m54s
